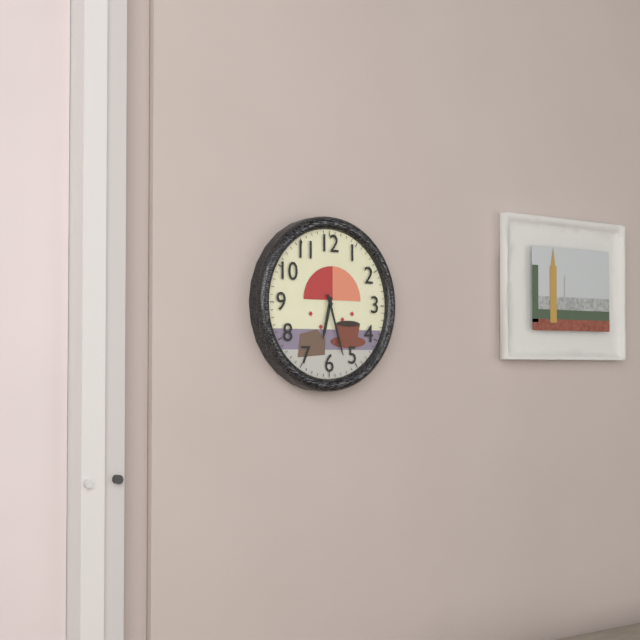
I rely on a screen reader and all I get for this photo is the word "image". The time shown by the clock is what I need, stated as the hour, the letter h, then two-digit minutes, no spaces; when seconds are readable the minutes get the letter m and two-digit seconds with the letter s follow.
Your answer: 6h27
